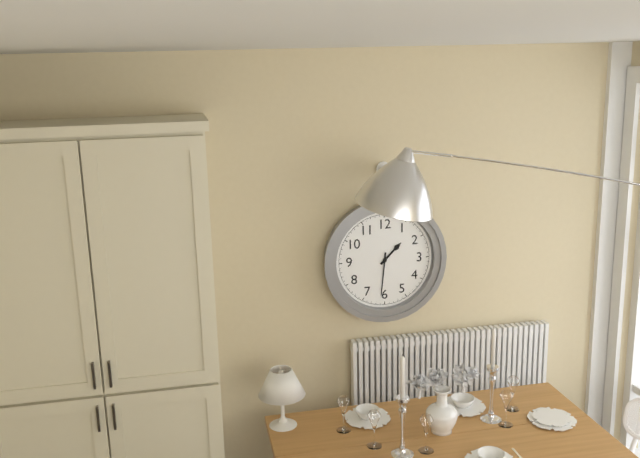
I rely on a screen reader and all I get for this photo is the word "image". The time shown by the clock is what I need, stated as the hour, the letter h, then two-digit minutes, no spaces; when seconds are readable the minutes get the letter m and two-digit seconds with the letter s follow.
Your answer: 1h31
